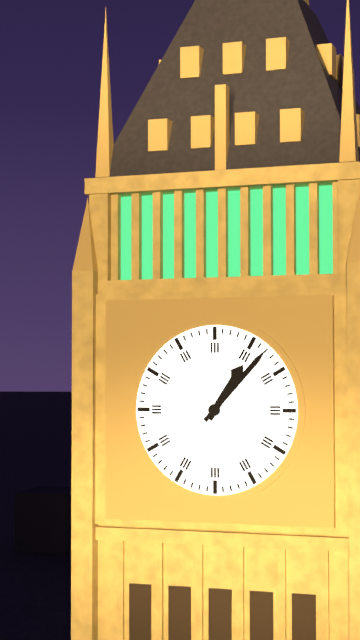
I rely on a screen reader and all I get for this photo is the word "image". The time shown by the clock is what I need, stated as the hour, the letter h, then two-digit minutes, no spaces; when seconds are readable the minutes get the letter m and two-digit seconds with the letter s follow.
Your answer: 1h07
